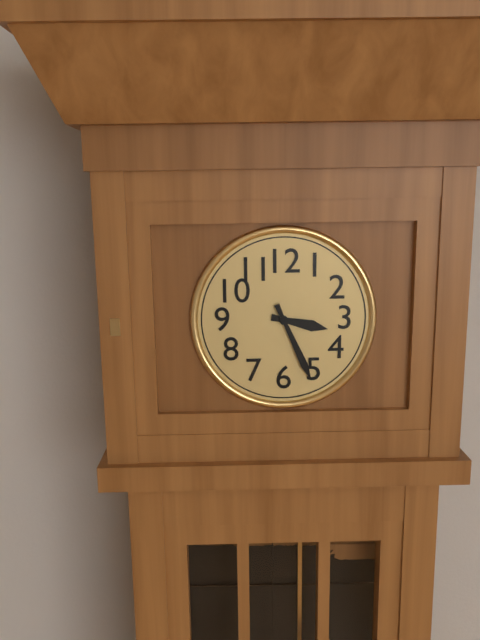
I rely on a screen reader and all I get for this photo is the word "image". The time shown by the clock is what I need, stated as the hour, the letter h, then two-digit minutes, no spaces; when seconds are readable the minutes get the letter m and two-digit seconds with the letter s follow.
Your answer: 3h26
